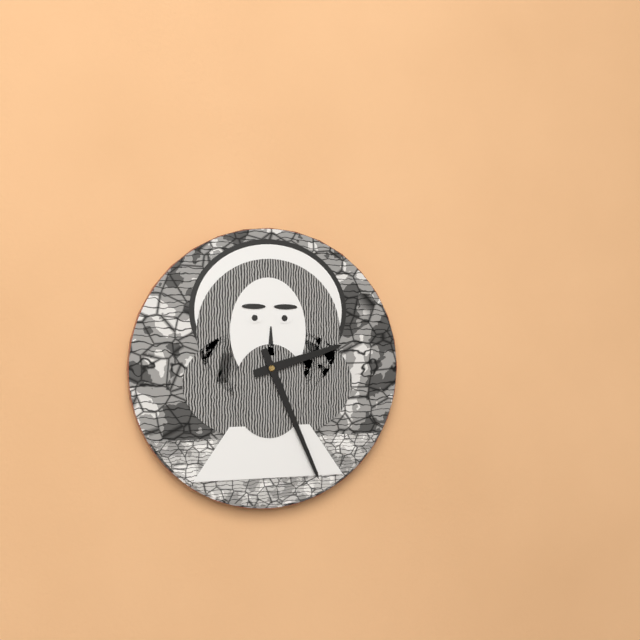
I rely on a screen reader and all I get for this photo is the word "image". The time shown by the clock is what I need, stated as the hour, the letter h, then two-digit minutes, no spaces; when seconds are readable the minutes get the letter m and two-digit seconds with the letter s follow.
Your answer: 2h26
